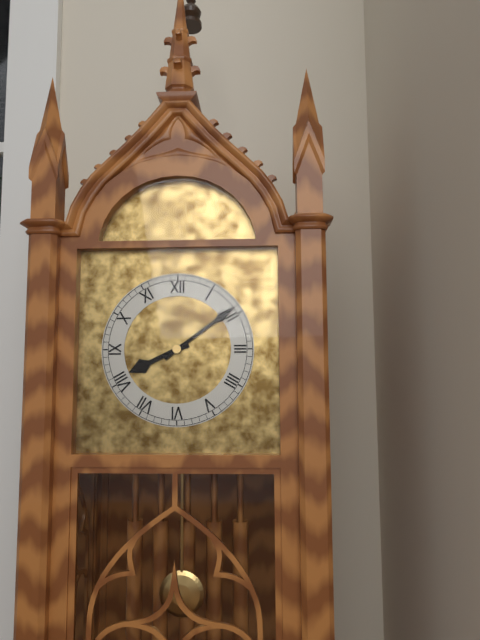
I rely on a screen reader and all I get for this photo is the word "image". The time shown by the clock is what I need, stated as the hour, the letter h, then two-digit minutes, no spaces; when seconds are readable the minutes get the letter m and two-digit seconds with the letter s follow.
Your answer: 8h09
